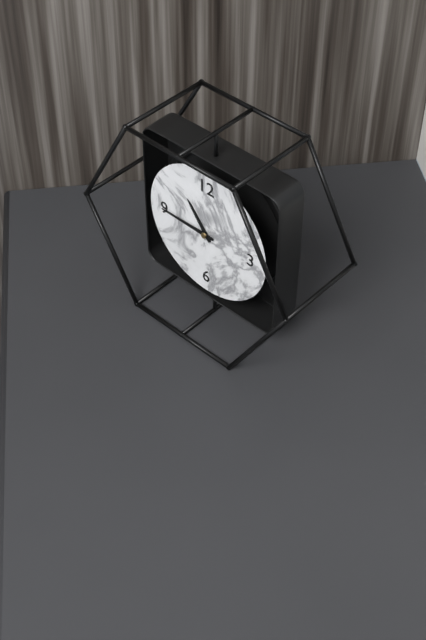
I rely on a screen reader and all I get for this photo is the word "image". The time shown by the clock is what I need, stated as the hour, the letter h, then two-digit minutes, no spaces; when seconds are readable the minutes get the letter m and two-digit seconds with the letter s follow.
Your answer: 10h45
